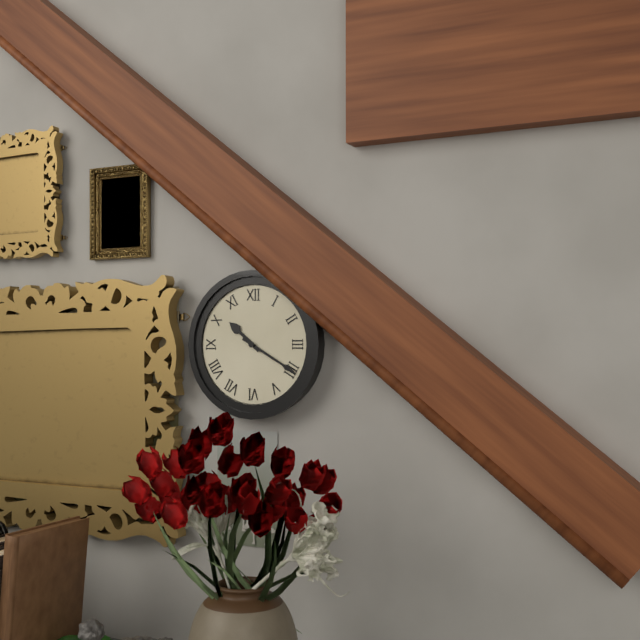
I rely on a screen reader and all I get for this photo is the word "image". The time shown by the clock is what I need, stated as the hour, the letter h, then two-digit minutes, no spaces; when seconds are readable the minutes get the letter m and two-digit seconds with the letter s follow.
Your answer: 10h20
